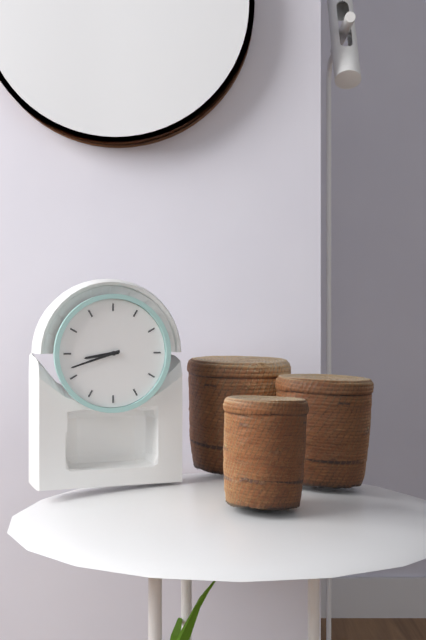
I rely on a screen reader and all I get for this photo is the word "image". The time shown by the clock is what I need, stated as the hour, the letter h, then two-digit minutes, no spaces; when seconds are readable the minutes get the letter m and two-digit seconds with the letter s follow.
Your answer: 8h42
